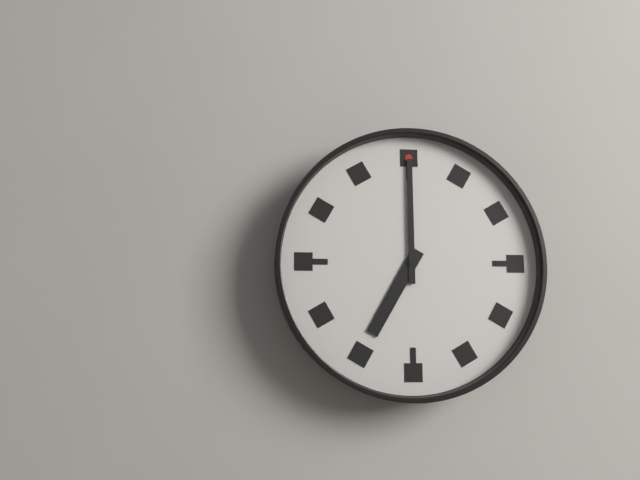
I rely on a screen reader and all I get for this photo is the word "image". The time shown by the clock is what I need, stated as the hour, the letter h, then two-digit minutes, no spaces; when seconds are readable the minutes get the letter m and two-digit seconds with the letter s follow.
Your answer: 7h00
